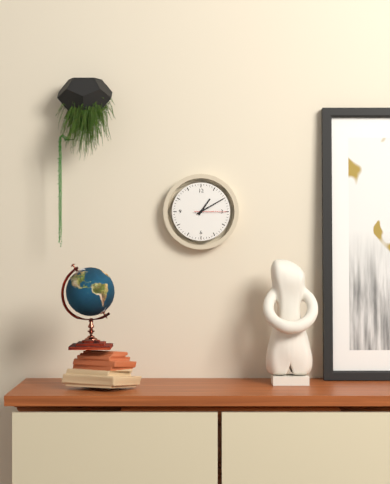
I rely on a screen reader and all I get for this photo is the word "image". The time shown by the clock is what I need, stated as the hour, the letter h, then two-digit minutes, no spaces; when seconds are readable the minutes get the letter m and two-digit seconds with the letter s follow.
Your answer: 1h10
